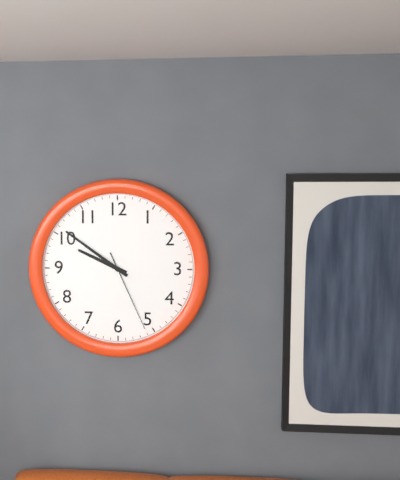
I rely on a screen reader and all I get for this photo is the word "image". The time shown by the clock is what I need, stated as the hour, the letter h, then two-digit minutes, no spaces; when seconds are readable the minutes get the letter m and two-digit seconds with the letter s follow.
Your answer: 9h51m26s
